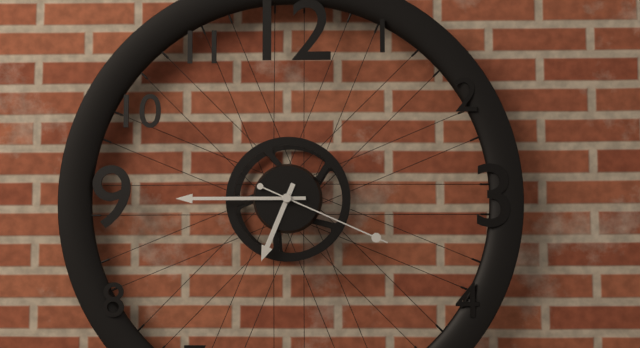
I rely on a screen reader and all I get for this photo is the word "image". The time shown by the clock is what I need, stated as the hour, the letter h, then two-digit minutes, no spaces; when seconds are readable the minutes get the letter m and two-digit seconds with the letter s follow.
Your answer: 6h45m19s
